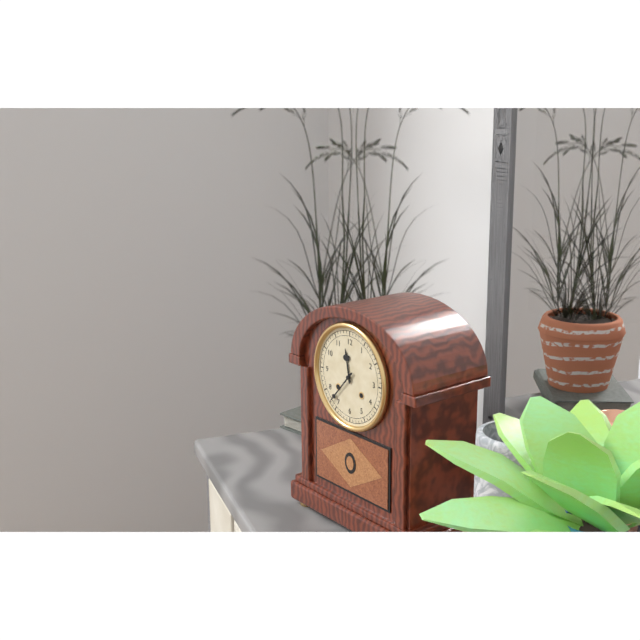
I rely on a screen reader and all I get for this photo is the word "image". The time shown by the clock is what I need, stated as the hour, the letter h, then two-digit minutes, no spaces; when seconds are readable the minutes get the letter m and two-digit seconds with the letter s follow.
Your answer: 11h37
